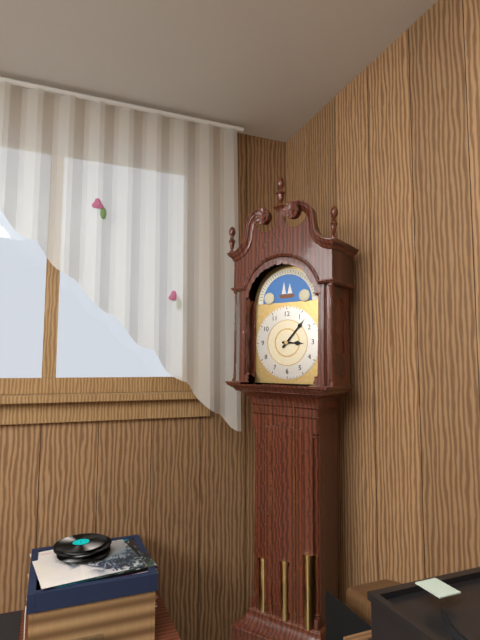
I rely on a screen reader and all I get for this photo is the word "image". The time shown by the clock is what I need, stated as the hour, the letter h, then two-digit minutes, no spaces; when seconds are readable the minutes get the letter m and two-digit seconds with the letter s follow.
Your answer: 3h07
